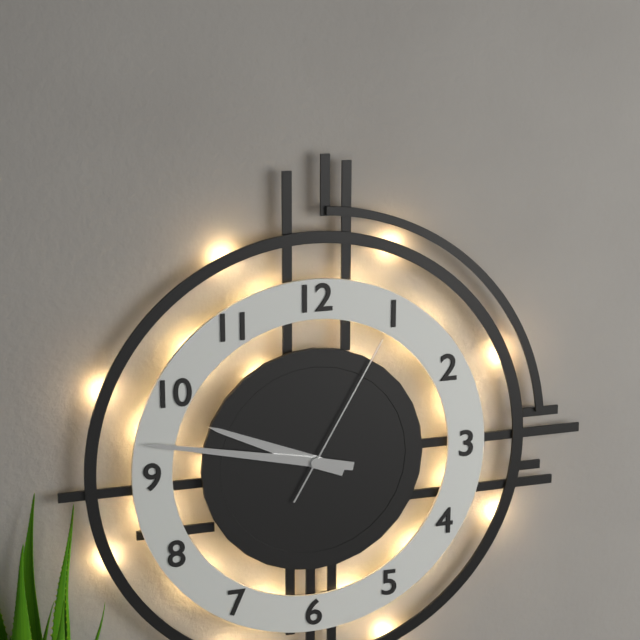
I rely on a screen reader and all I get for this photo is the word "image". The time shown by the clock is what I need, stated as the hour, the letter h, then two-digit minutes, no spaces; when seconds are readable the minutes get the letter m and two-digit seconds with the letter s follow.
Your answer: 9h47m05s
